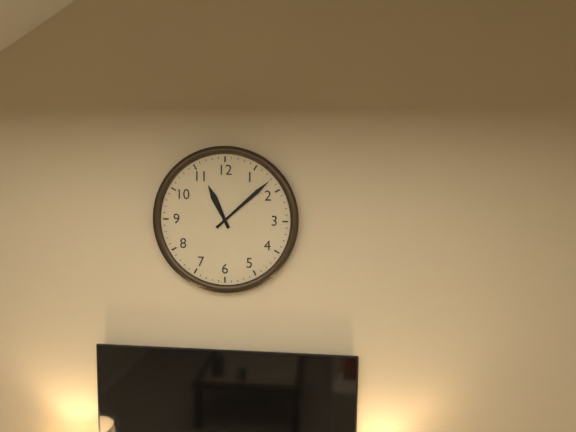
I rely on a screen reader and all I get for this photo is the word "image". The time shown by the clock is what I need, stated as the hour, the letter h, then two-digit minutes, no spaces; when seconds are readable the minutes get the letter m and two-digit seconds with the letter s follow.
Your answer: 11h08
